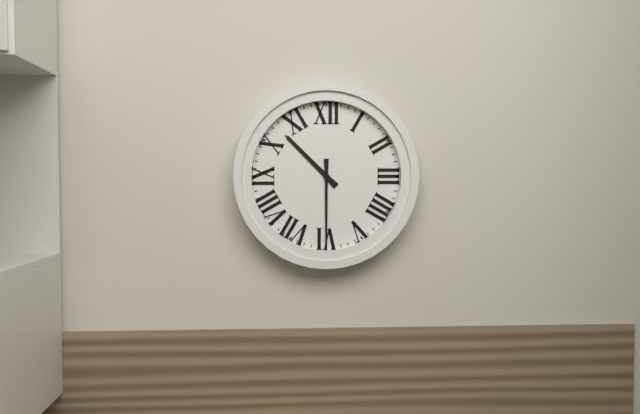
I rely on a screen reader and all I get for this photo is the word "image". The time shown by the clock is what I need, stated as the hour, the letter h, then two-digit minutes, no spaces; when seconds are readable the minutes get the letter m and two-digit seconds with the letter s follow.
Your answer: 10h30
